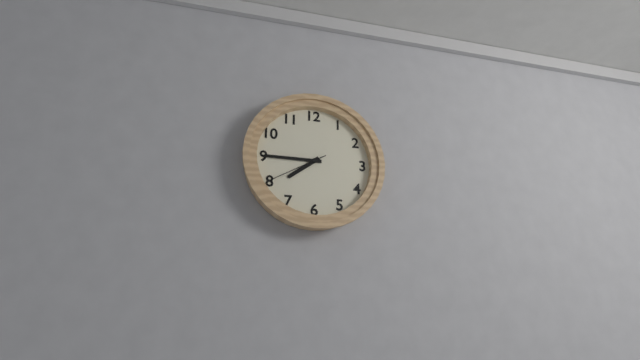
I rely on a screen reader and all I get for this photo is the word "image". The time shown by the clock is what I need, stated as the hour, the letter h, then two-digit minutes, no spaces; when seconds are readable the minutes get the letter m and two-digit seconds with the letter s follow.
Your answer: 7h45m40s
